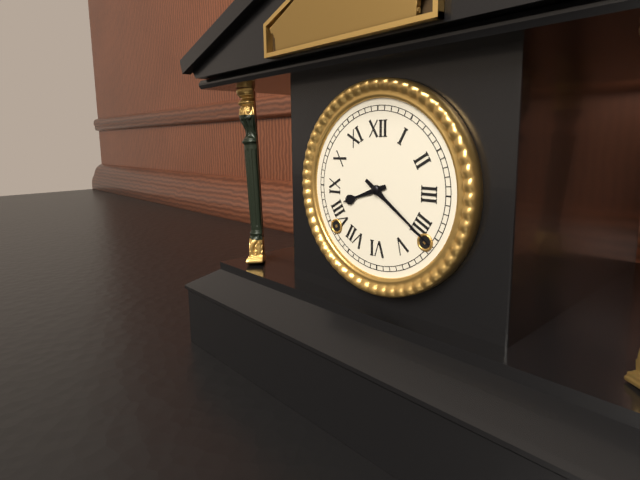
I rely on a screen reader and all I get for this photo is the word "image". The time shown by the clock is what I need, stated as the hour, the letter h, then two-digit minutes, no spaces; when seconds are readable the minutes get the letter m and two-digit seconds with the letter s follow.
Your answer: 8h21
